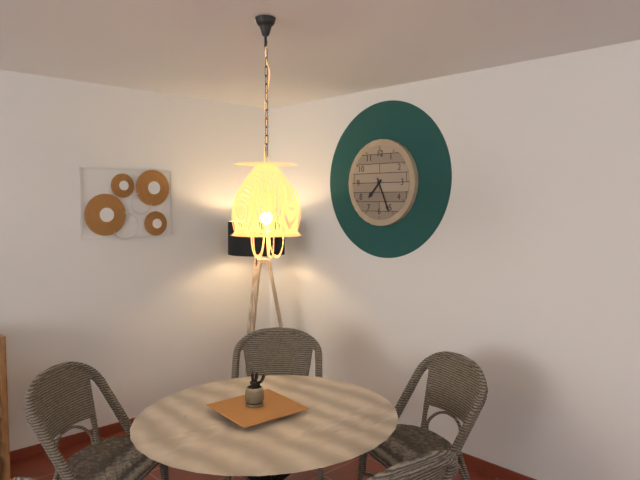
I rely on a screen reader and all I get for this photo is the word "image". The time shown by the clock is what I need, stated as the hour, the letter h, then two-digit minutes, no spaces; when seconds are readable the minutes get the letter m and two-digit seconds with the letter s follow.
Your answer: 7h26
